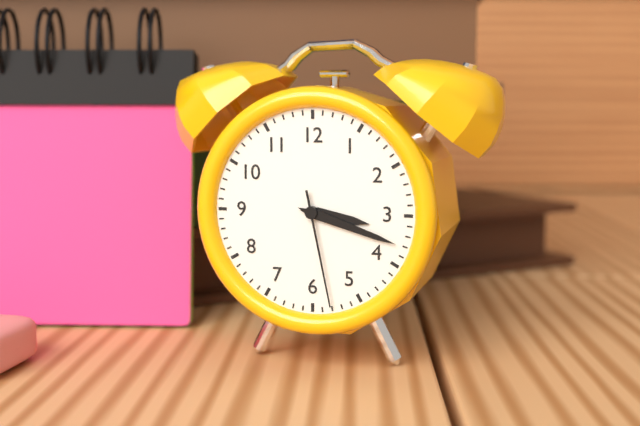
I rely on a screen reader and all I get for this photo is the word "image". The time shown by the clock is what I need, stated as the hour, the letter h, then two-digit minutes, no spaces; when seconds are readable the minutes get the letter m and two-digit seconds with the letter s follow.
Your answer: 3h18m28s
